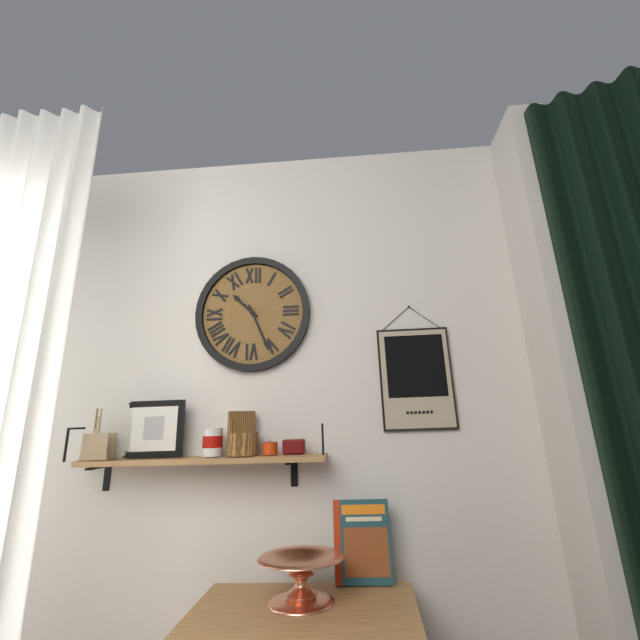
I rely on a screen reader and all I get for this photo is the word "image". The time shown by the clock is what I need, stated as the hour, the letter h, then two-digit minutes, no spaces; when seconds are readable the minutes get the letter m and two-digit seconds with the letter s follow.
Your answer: 10h26
